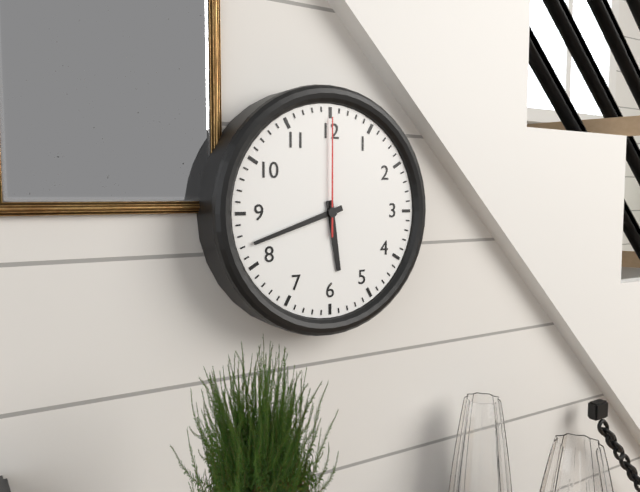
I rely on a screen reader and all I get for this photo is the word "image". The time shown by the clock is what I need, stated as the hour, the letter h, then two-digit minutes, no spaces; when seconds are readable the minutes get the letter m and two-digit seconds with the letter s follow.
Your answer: 5h42m00s
